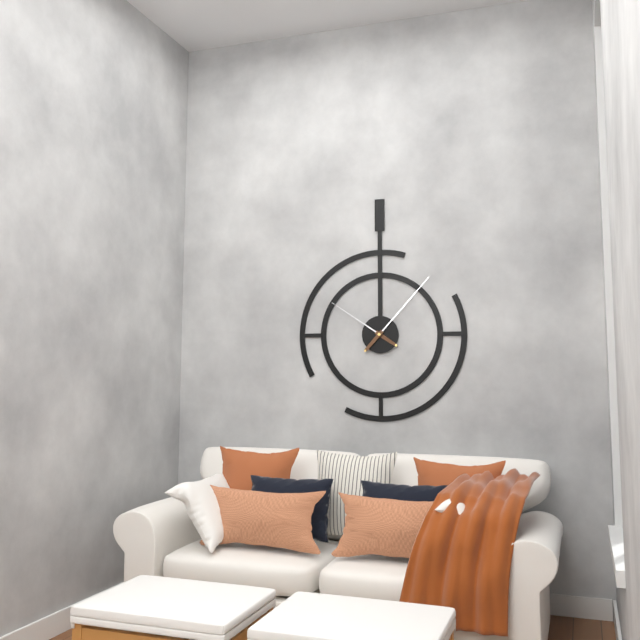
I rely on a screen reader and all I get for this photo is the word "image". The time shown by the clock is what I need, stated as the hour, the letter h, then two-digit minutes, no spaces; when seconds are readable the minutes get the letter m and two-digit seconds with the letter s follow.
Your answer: 10h07
